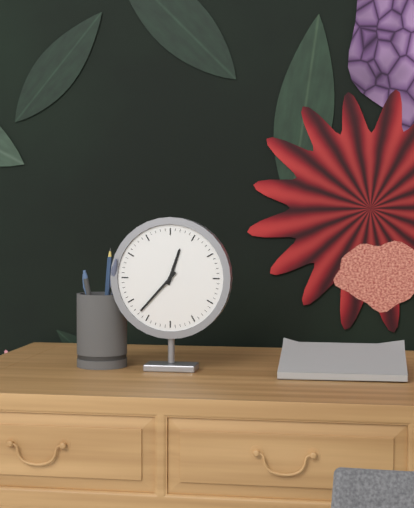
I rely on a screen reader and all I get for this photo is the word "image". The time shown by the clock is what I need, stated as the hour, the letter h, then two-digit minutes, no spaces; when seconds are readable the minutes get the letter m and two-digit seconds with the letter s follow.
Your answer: 12h37
